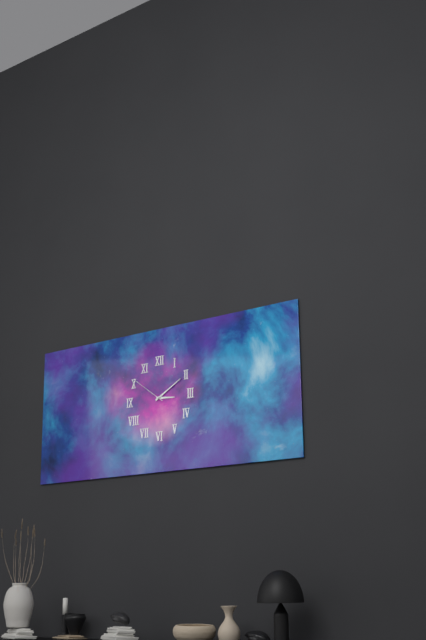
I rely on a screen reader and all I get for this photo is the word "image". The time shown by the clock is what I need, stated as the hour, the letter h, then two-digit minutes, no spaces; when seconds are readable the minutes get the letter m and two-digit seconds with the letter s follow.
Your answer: 3h10
